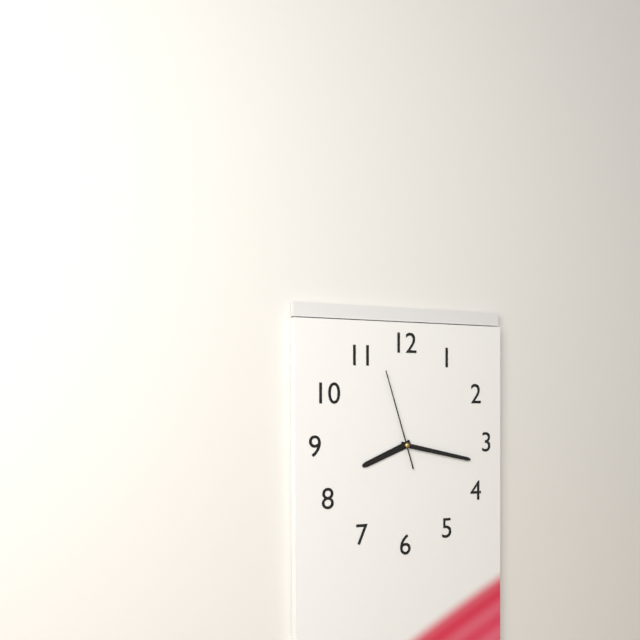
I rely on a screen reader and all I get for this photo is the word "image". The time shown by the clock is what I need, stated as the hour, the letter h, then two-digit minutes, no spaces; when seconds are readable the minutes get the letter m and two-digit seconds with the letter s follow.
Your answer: 8h17m57s
